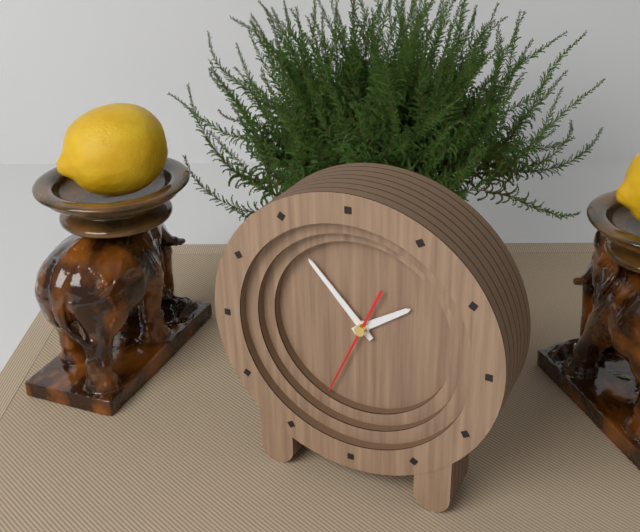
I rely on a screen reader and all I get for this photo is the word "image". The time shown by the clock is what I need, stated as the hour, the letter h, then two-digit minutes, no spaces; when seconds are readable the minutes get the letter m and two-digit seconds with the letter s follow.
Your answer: 1h53m34s
